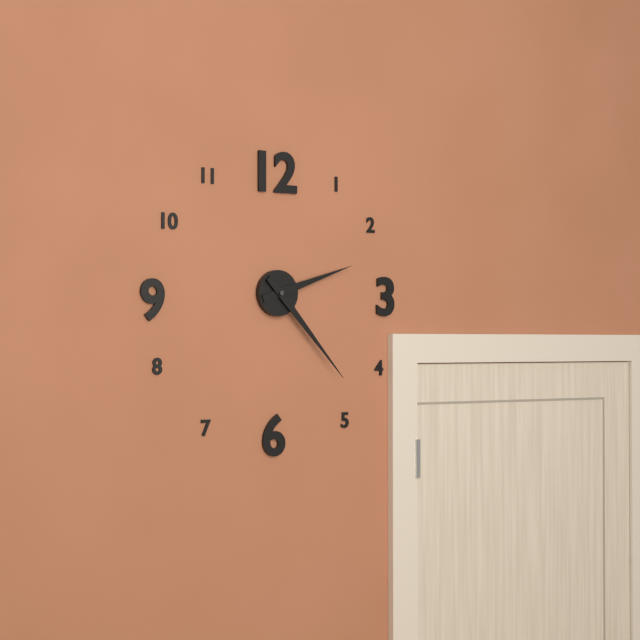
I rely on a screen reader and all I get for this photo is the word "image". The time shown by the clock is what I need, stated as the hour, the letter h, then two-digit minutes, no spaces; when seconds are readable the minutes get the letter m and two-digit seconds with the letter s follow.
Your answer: 2h23
